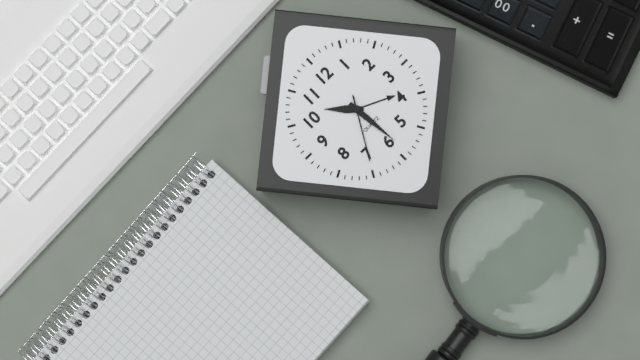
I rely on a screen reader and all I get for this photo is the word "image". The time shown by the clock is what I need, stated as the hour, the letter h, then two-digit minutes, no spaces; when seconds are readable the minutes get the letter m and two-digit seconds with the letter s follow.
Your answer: 10h29m35s
